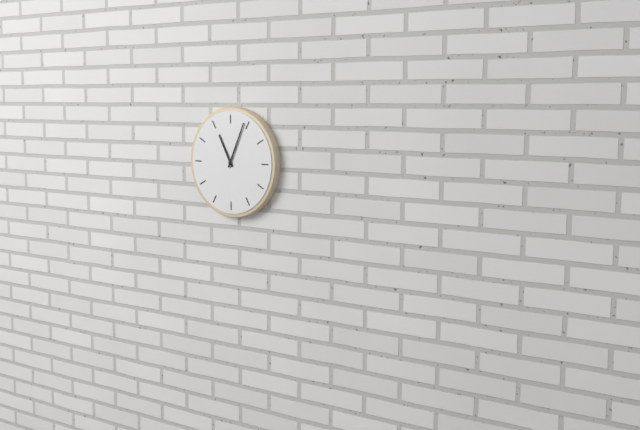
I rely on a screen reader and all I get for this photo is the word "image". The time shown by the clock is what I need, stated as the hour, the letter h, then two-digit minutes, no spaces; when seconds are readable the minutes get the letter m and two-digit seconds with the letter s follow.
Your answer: 11h04
